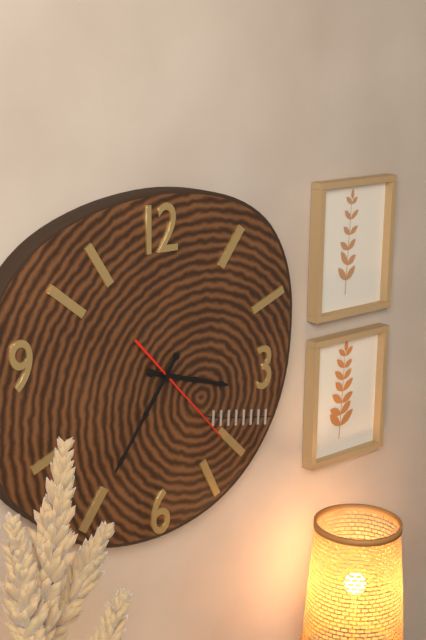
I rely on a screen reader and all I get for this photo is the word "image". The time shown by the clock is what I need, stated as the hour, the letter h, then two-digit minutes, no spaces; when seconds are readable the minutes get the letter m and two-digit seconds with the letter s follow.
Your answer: 3h36m23s
